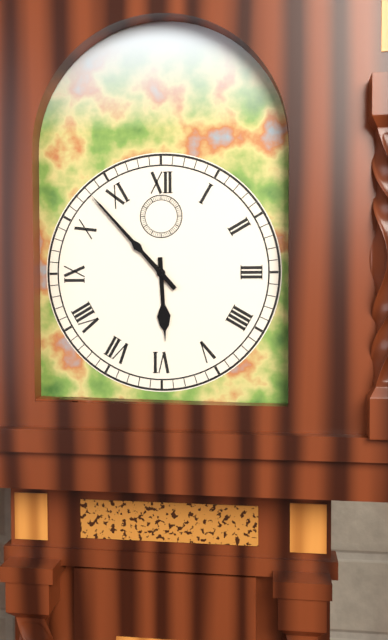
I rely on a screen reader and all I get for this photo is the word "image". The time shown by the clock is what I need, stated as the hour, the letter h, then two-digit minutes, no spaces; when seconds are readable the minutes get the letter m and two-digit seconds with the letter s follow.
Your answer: 5h53
